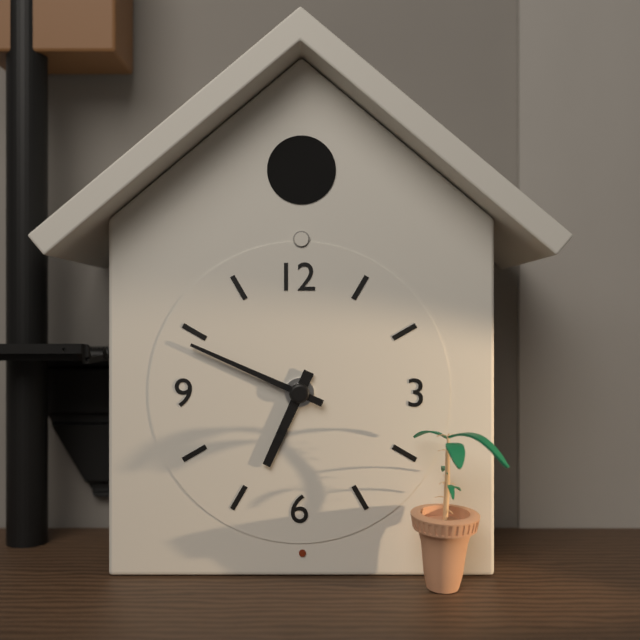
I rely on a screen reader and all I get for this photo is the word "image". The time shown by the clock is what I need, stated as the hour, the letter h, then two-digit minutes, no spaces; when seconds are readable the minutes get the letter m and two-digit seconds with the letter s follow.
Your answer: 6h49
